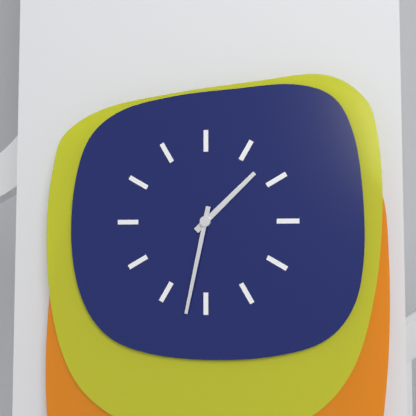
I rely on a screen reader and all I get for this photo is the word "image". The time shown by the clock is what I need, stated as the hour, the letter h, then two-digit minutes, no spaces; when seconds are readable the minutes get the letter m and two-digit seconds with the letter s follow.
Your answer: 1h32
